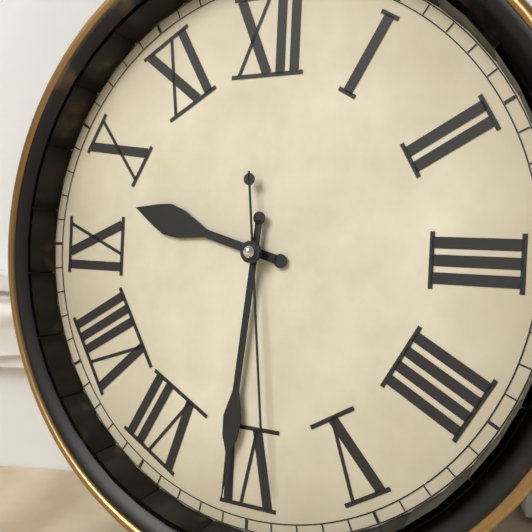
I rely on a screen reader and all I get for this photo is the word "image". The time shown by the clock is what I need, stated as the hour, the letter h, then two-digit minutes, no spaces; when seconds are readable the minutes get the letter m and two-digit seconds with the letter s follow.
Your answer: 9h31m29s
